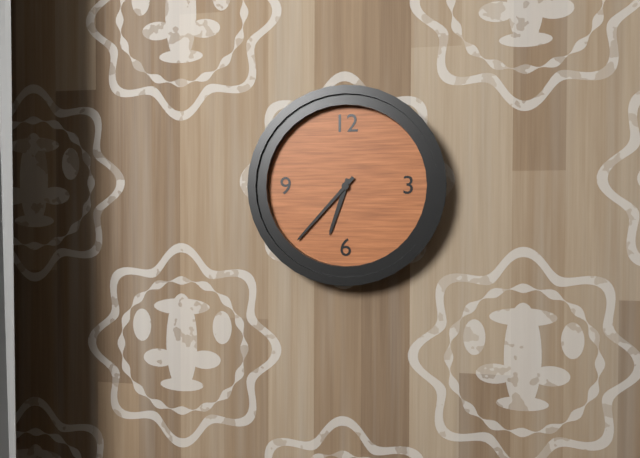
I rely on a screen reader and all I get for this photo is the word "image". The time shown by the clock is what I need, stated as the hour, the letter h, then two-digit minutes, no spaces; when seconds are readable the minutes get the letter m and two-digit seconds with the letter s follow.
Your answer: 6h37
